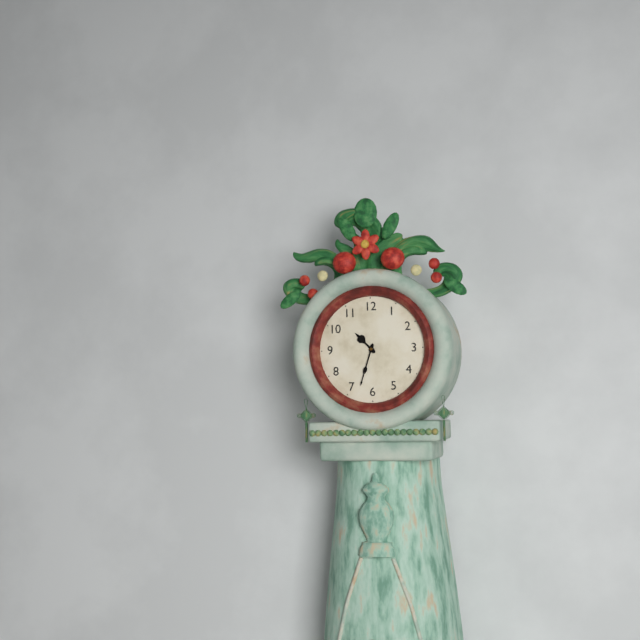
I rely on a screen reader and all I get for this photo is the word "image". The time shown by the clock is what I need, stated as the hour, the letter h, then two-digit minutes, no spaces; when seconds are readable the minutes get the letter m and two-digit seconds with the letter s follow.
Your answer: 10h33
